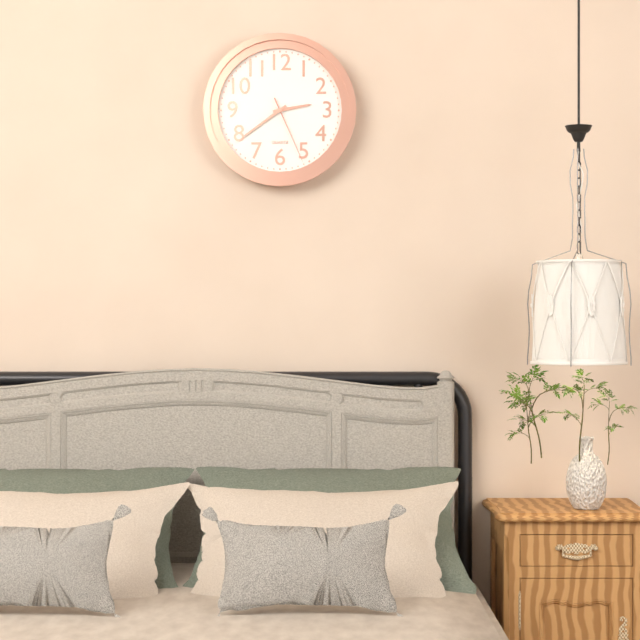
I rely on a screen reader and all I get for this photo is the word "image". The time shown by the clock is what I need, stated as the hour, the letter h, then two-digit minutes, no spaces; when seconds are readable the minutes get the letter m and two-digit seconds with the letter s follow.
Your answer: 2h39m26s
